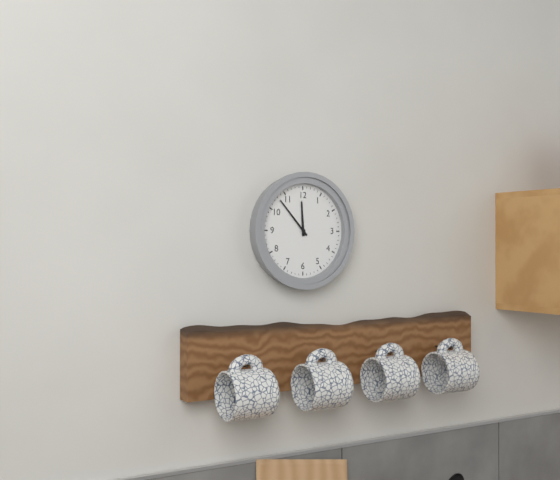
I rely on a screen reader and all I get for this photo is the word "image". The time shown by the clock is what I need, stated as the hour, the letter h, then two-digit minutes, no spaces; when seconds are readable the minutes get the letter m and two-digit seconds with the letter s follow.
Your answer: 11h53
